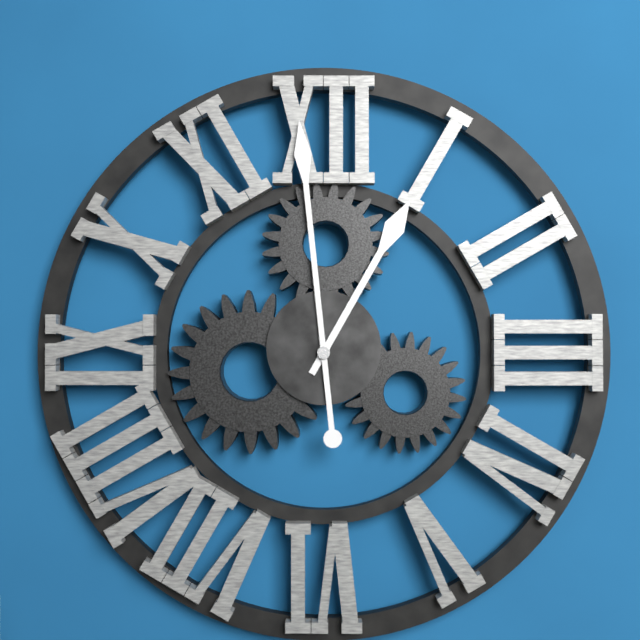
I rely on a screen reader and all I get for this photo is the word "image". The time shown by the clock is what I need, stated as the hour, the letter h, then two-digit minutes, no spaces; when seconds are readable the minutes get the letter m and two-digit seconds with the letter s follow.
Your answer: 12h59
